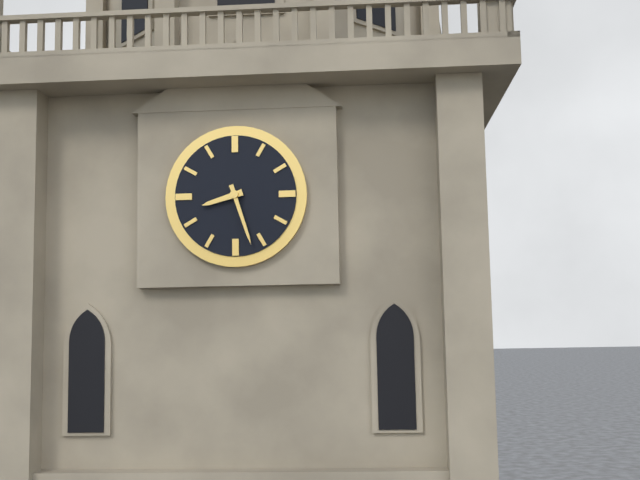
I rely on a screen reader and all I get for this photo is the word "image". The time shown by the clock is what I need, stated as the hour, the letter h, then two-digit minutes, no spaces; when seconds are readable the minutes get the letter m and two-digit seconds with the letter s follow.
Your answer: 8h27
